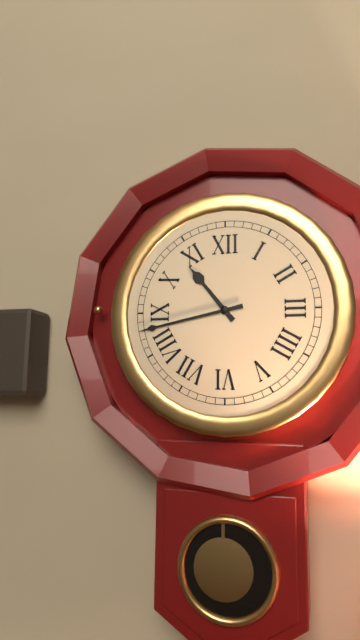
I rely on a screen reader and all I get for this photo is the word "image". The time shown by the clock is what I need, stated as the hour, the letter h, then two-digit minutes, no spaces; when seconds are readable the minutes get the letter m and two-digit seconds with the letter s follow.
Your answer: 10h43
